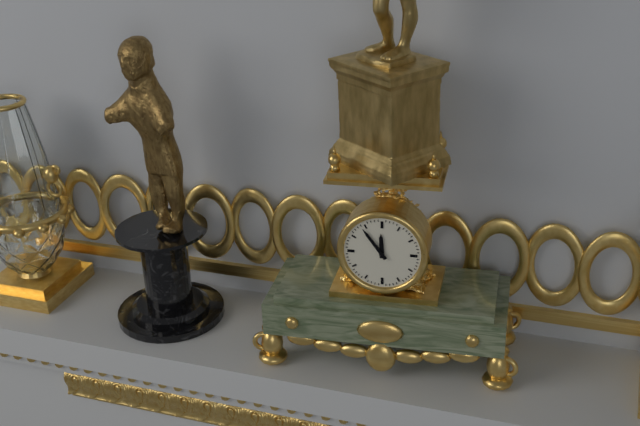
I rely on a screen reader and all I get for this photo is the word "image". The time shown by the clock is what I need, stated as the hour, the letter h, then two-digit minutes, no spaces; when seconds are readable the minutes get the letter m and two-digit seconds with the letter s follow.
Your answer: 11h54
